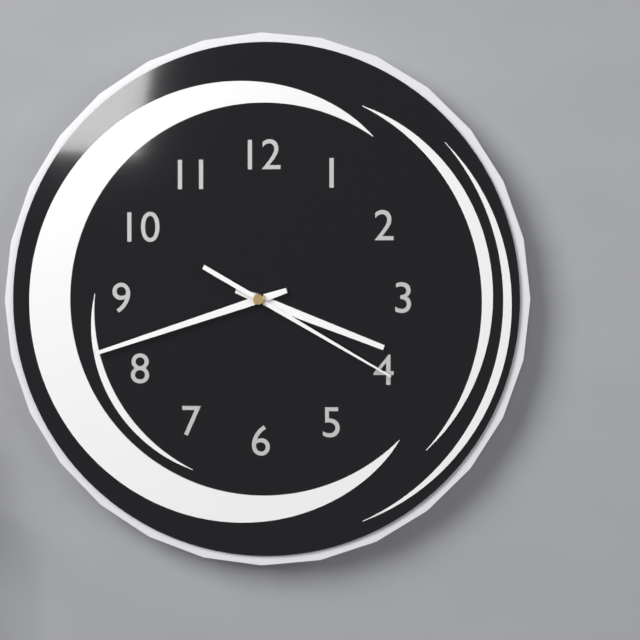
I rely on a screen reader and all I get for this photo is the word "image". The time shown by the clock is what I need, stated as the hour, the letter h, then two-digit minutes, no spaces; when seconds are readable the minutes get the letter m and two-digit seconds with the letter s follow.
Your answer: 3h42m20s
